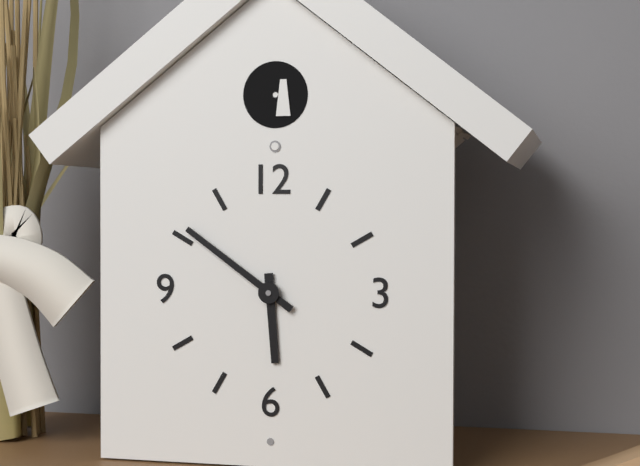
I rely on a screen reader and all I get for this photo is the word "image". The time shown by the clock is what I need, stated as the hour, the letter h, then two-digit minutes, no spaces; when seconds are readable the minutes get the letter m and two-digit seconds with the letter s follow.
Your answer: 5h51
